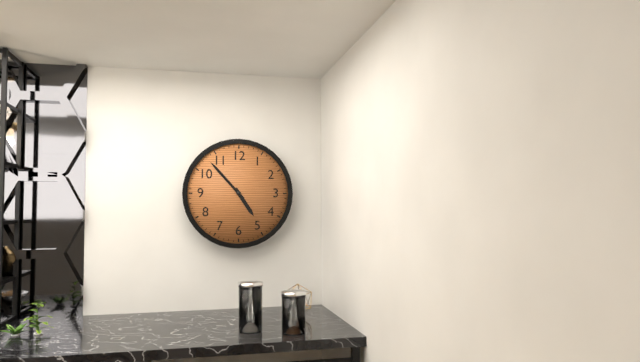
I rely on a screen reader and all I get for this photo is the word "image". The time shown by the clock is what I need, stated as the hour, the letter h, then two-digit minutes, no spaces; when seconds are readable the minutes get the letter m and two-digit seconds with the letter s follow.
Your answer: 4h53
